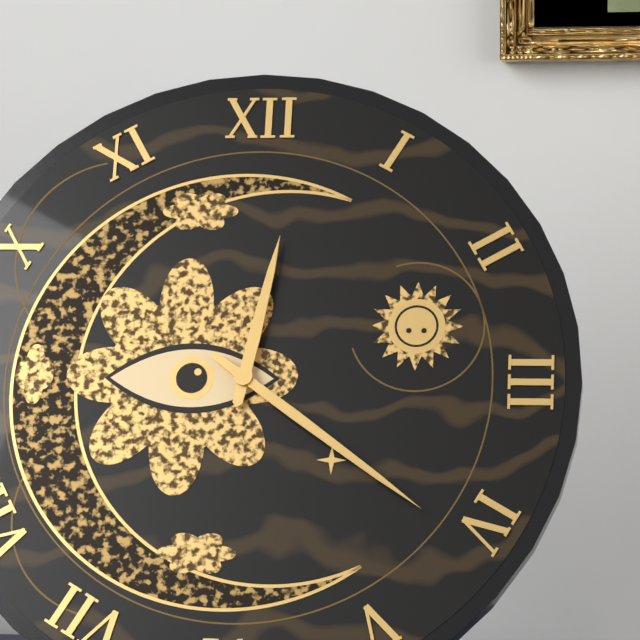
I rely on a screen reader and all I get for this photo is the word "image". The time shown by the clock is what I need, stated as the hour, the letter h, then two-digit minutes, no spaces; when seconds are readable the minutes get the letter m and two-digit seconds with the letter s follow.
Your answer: 12h21
